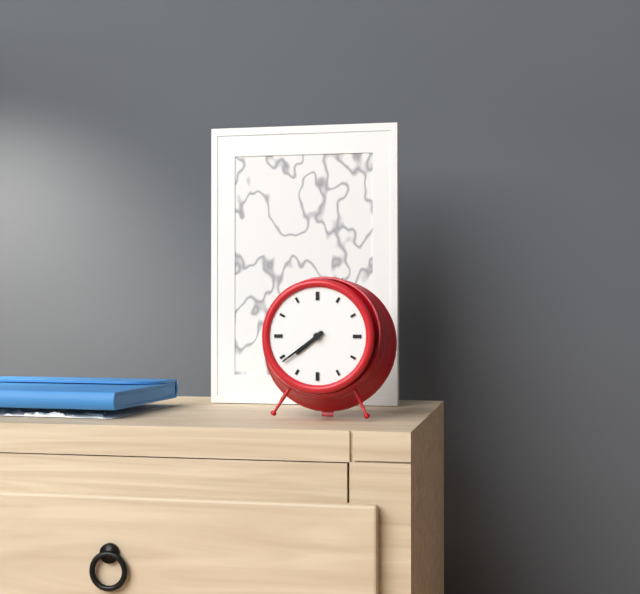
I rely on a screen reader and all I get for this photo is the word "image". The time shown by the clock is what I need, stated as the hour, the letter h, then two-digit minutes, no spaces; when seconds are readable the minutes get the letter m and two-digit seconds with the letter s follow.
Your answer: 7h39
